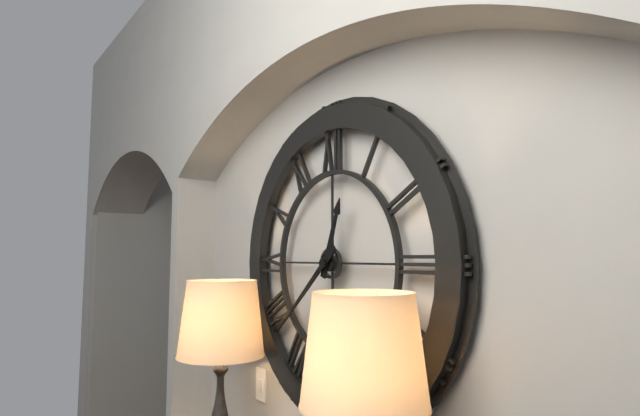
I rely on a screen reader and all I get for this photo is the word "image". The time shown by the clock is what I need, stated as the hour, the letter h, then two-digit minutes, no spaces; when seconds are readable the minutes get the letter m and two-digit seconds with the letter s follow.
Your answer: 12h38
